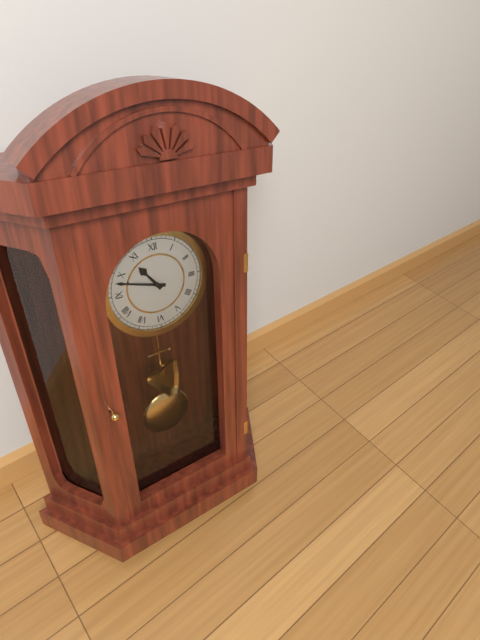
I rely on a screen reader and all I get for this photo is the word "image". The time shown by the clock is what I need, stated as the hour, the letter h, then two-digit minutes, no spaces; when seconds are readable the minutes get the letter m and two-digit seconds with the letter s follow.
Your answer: 10h48
